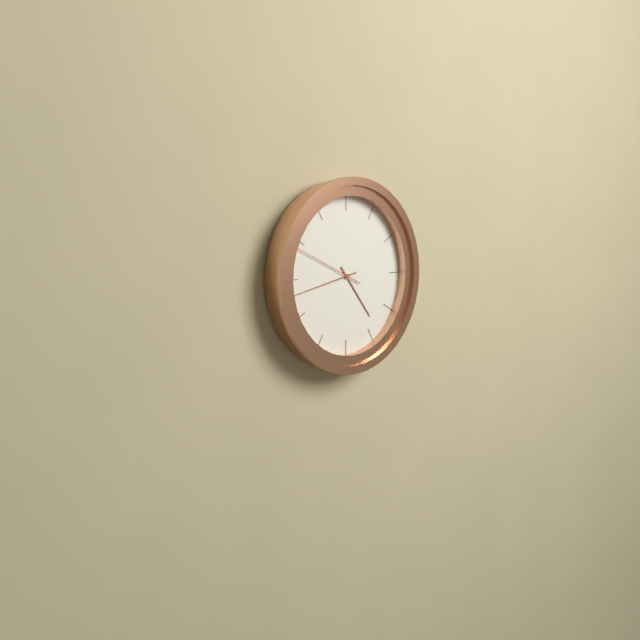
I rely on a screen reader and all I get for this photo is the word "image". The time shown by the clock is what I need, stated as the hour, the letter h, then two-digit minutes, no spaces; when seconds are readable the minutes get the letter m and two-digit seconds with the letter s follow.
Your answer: 4h43m49s
